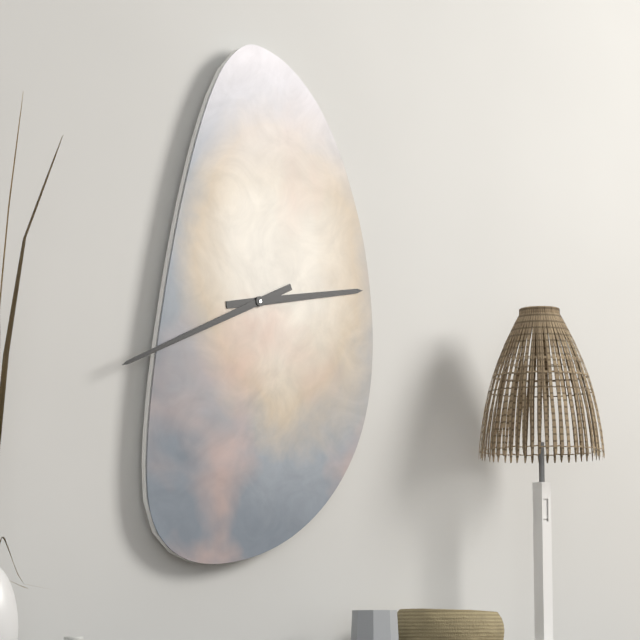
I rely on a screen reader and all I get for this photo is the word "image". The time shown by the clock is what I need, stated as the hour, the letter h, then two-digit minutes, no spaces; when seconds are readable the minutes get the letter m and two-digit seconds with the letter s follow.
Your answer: 2h41
